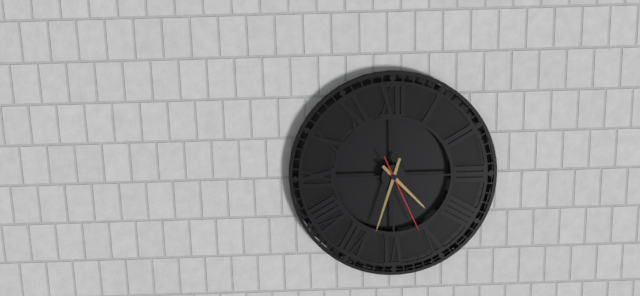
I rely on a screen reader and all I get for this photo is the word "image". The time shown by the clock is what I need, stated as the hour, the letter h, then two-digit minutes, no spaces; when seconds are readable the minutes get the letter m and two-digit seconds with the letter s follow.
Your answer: 4h33m26s
